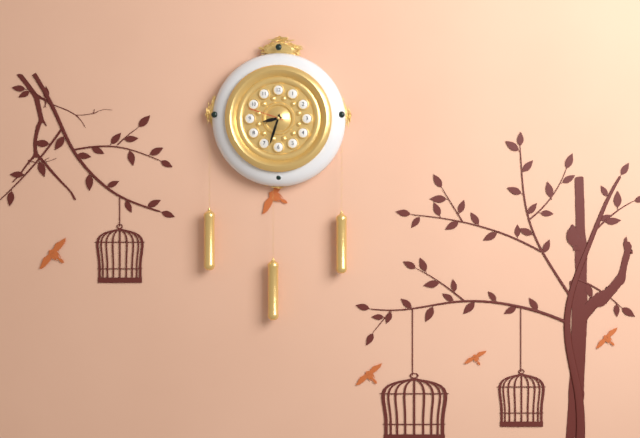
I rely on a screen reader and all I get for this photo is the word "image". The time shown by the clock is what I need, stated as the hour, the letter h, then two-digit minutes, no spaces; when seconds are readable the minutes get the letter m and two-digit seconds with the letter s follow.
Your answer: 8h33
